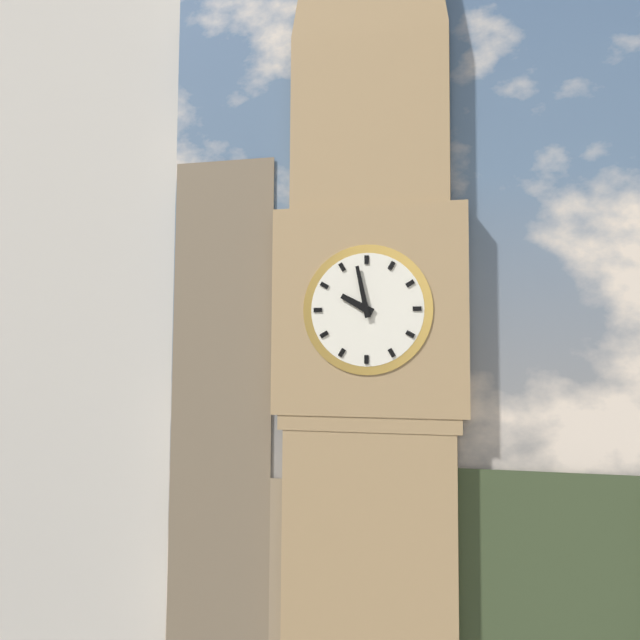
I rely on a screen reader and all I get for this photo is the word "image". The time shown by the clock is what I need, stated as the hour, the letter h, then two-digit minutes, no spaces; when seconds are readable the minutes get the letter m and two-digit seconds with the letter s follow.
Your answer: 9h58
